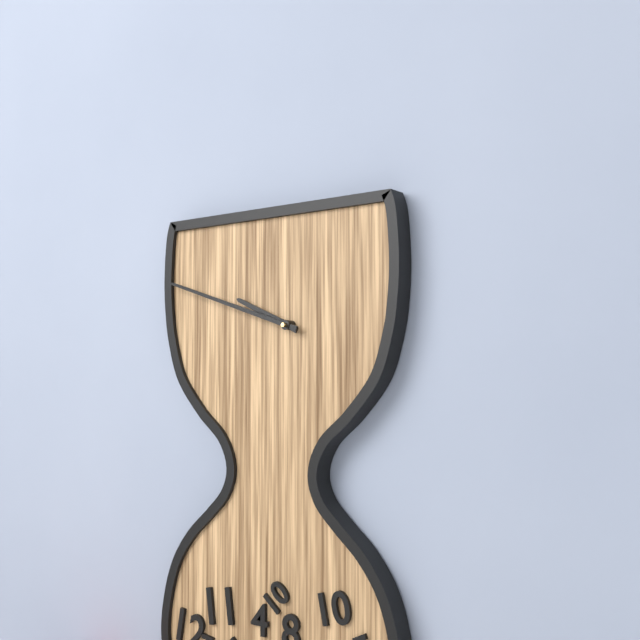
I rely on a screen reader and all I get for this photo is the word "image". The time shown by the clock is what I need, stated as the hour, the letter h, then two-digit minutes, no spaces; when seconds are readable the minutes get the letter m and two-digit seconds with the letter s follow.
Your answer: 9h48
